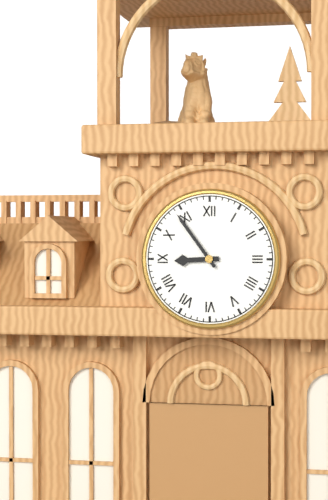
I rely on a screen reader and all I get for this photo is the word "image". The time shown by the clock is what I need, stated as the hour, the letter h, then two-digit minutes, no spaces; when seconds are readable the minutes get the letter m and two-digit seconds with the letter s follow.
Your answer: 8h54
